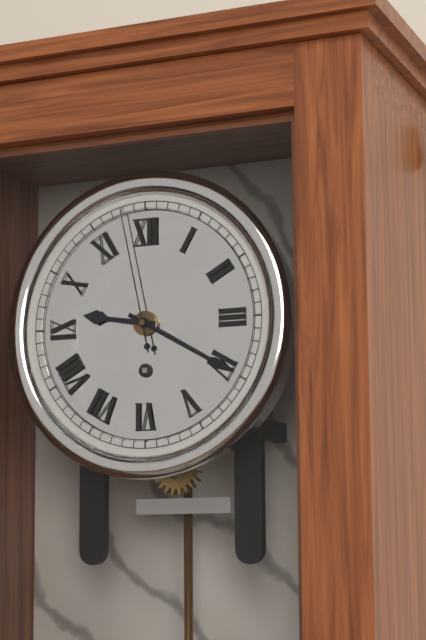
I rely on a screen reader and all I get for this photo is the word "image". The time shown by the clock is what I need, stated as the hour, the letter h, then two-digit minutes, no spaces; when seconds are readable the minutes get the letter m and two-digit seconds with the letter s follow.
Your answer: 9h20m58s
